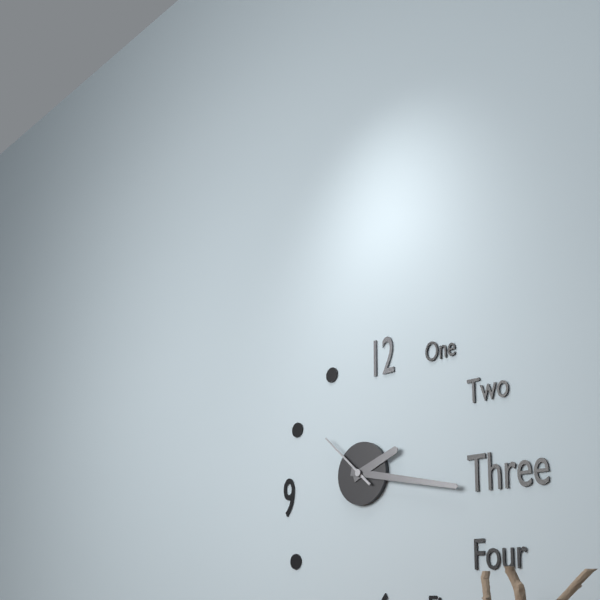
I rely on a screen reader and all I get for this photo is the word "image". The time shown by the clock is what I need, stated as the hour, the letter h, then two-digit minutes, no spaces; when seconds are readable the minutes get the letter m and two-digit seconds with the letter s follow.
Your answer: 2h17m52s
